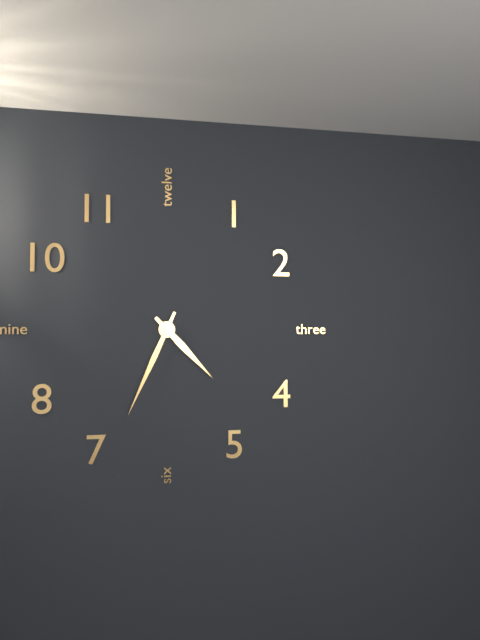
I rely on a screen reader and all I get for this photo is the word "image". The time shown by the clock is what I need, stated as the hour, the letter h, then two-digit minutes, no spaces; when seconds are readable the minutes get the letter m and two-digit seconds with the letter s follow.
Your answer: 4h34
